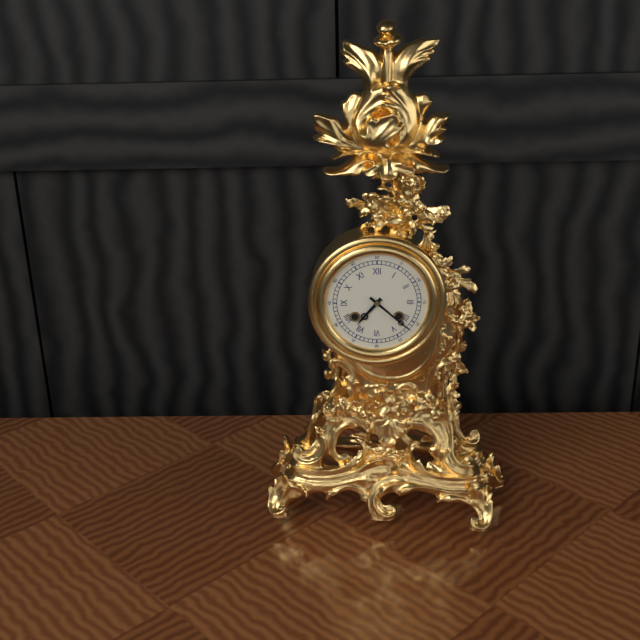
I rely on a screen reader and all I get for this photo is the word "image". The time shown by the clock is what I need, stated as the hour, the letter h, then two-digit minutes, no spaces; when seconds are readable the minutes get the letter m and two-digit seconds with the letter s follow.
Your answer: 7h22
